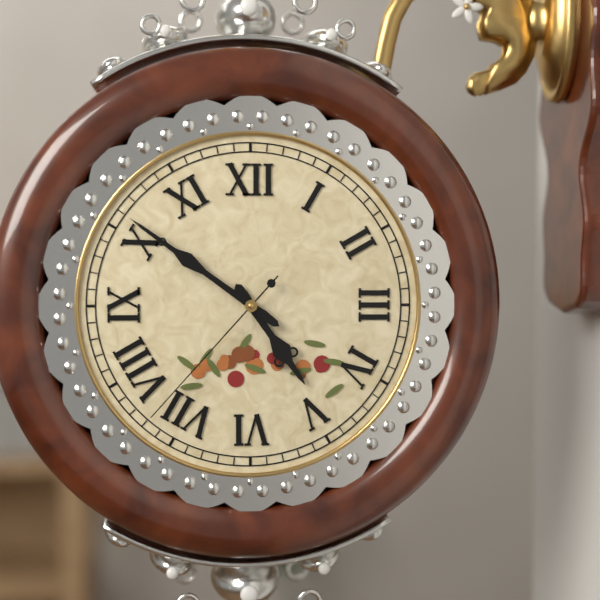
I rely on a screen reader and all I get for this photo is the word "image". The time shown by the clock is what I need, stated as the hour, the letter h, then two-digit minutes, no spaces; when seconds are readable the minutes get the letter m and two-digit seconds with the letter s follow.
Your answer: 4h51m37s
